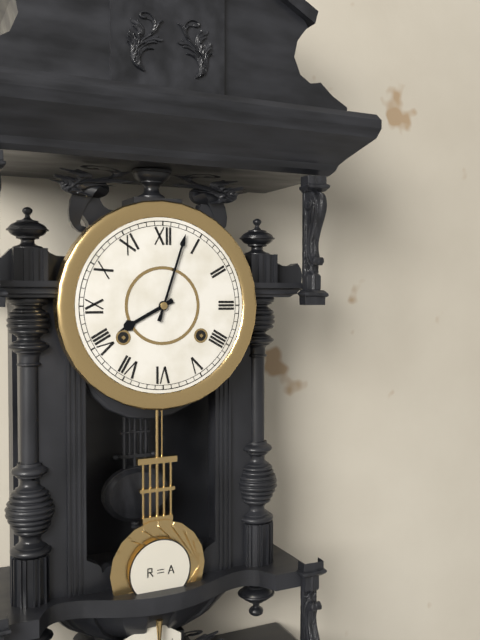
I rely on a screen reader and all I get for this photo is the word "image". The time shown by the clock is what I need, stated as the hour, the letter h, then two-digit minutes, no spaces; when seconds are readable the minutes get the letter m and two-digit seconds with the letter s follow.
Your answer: 8h03
